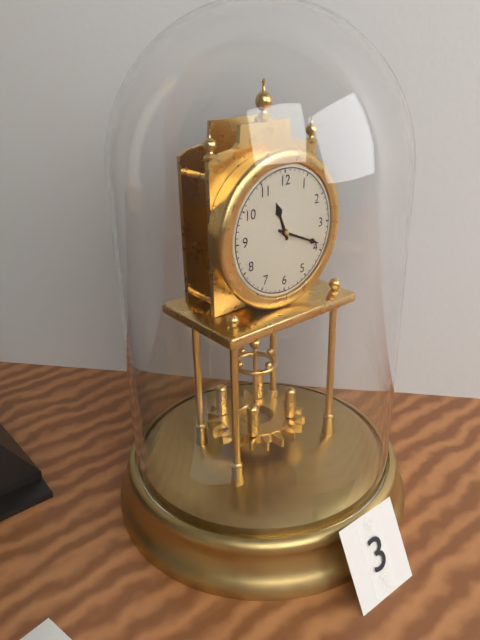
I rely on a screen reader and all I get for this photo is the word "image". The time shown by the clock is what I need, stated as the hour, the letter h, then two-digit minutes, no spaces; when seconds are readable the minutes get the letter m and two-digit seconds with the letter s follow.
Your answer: 11h19
